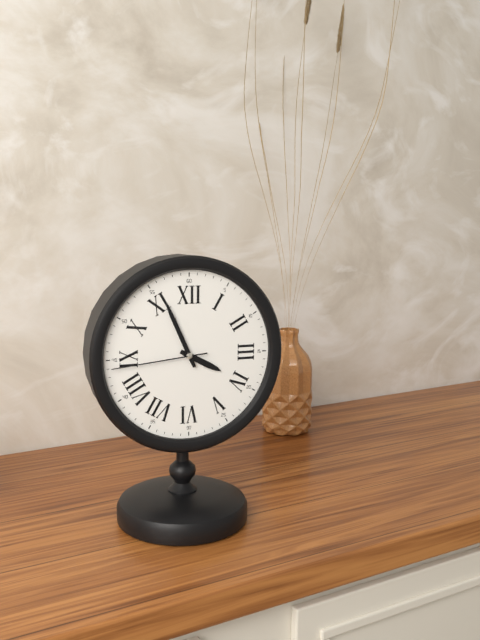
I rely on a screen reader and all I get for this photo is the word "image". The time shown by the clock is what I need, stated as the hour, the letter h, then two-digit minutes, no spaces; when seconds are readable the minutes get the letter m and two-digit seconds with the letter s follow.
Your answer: 3h56m44s
